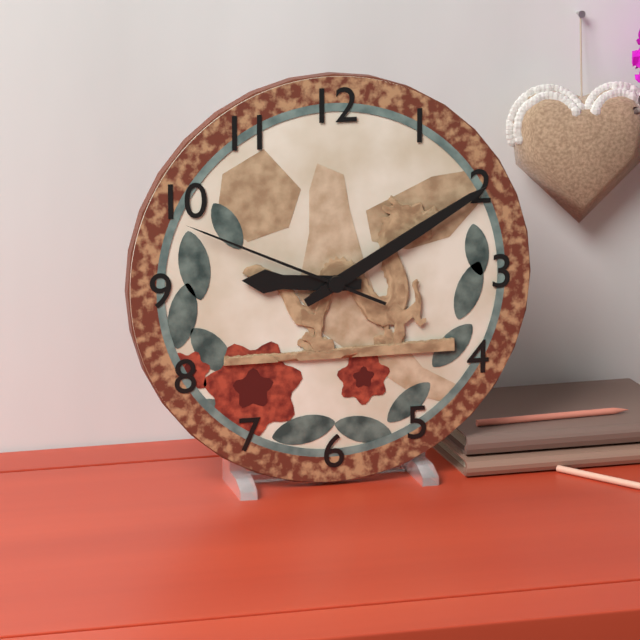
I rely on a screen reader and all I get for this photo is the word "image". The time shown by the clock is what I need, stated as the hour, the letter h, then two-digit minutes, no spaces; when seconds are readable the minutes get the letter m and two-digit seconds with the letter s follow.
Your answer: 9h10m49s
